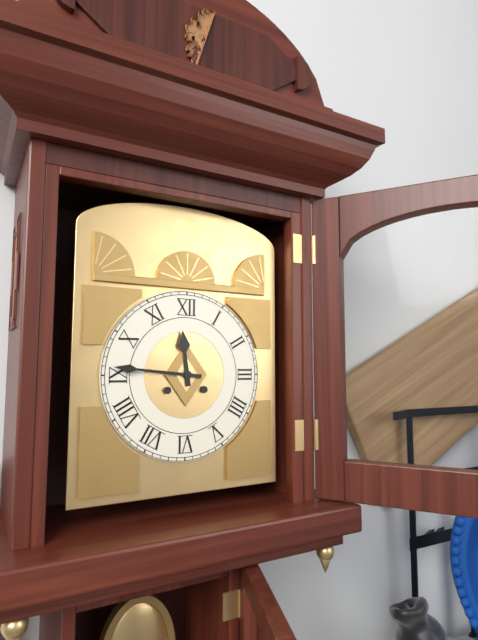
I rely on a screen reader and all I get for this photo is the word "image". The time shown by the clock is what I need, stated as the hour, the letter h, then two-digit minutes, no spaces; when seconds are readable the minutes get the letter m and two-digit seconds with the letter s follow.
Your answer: 11h46
